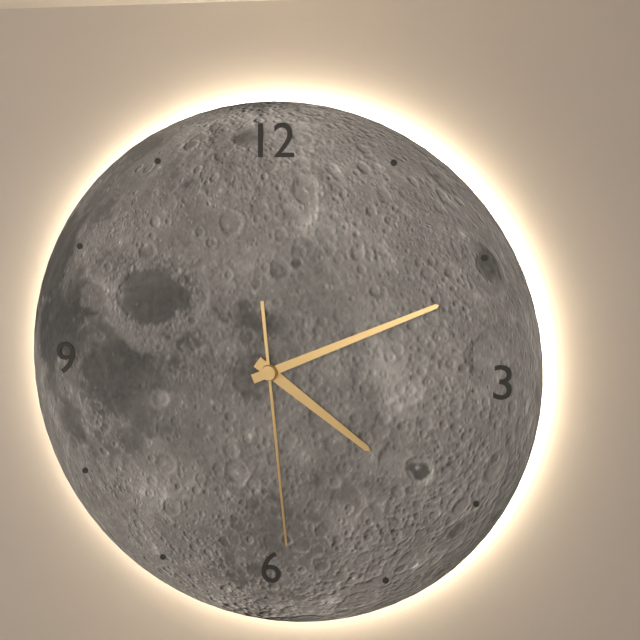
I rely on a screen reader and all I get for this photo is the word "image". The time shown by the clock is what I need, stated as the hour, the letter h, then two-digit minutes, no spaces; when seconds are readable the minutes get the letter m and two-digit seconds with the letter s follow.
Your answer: 4h11m29s
